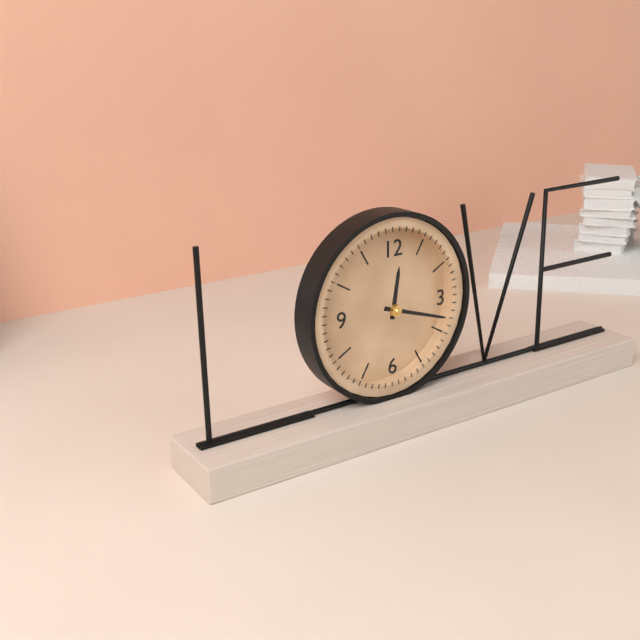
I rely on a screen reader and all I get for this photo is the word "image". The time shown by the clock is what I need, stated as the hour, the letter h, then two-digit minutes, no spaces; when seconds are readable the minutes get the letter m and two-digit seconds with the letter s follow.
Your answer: 12h18
